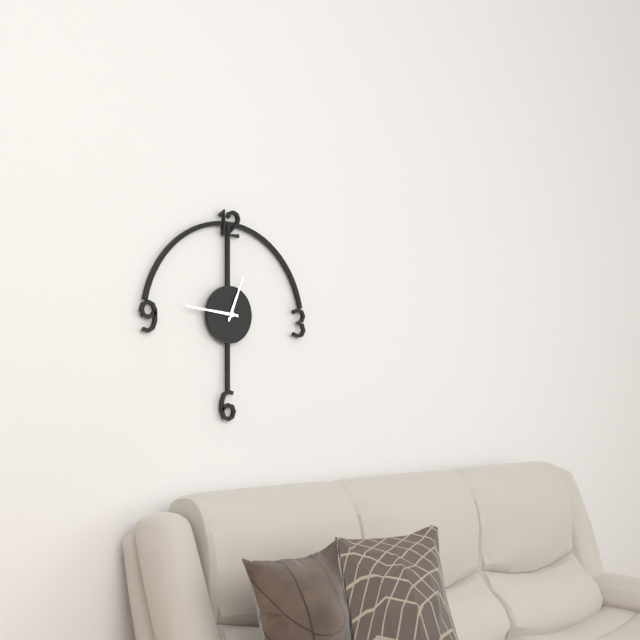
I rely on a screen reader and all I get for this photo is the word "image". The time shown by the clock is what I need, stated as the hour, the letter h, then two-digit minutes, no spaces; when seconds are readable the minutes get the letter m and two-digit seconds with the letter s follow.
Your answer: 12h46
